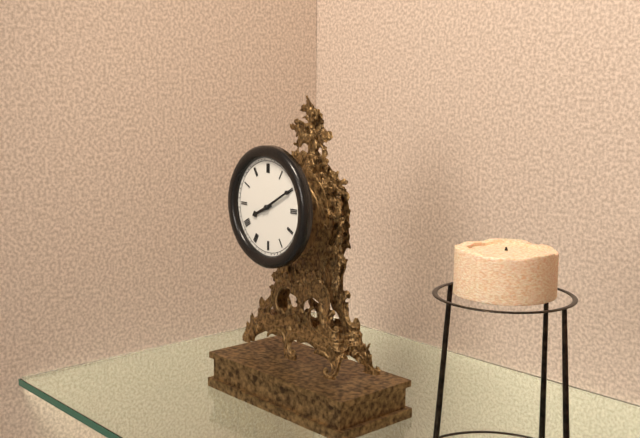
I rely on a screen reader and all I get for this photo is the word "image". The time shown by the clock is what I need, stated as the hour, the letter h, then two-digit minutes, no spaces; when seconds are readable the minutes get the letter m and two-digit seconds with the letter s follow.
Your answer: 8h10
